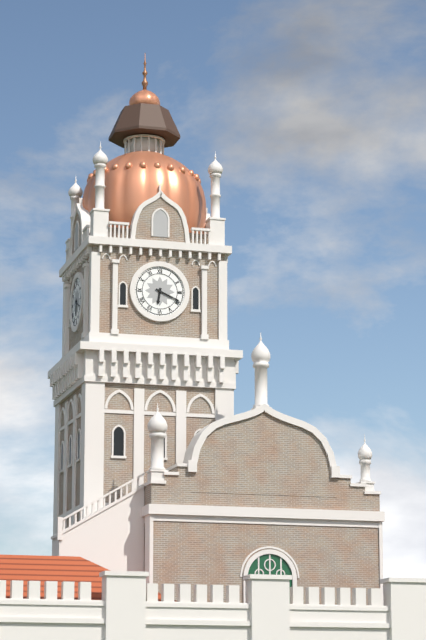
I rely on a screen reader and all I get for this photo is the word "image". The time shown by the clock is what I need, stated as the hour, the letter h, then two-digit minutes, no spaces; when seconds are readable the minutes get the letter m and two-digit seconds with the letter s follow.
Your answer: 6h19
